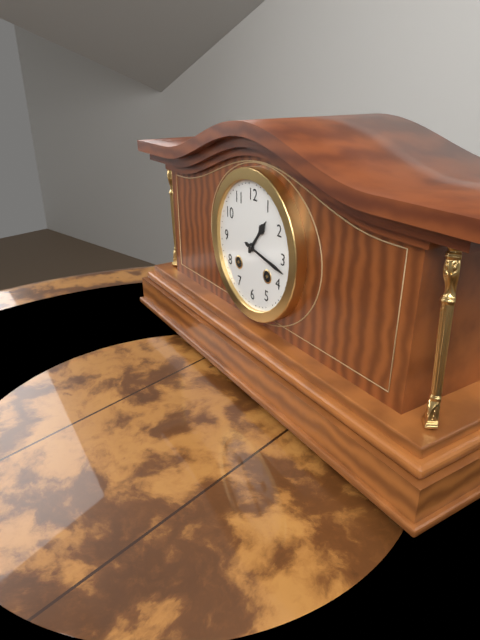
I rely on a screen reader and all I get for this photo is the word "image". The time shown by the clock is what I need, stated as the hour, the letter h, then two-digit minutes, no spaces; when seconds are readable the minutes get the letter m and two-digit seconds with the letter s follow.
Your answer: 1h17
